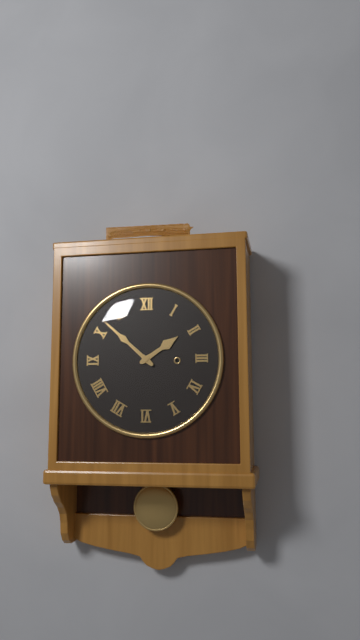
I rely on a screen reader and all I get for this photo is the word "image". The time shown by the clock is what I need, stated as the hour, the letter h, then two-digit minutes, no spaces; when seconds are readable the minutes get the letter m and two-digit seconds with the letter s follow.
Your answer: 1h52
